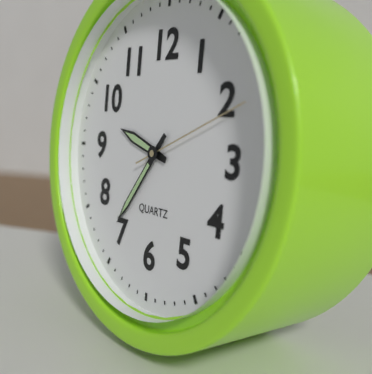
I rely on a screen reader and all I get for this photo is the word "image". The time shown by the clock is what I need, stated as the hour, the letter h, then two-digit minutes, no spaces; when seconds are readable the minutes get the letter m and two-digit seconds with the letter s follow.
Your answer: 9h36m11s
